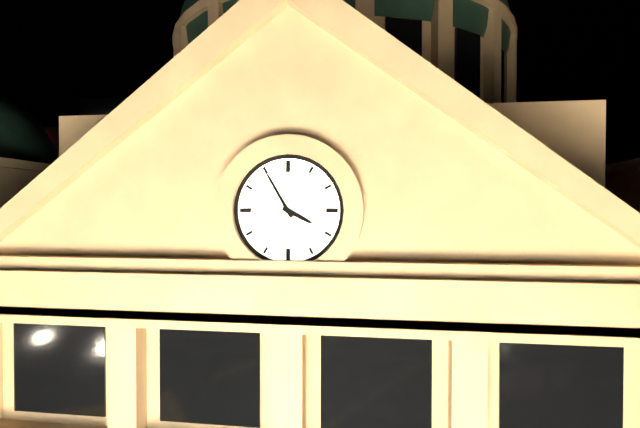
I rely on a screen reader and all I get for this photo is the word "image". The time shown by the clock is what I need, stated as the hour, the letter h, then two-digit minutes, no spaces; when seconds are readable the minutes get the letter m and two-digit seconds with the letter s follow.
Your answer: 3h55
